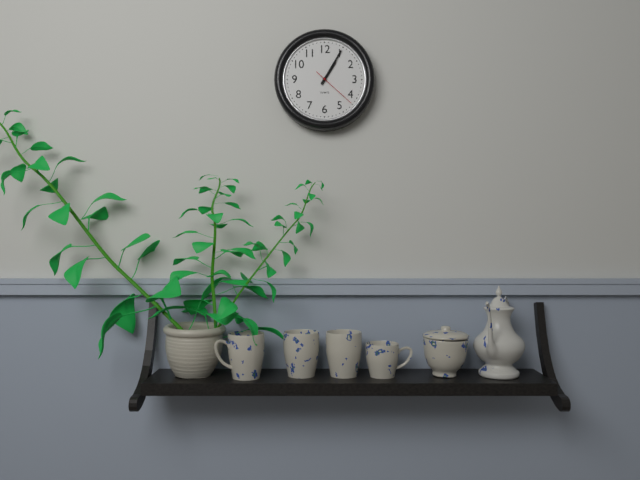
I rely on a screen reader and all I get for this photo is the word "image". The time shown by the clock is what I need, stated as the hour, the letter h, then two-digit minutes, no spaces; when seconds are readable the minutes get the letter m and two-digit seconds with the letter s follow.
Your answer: 1h05
